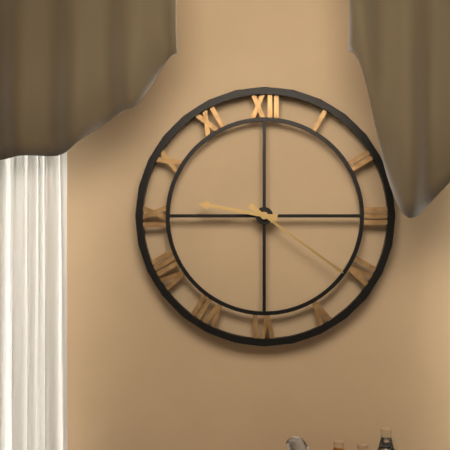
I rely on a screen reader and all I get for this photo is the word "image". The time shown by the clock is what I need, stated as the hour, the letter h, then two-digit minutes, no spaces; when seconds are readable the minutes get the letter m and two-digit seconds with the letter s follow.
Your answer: 9h21
